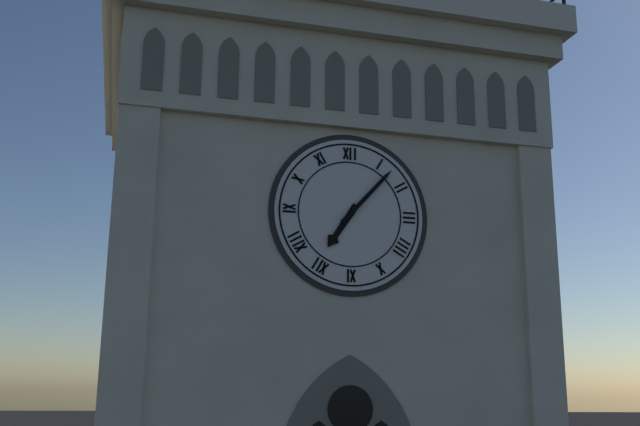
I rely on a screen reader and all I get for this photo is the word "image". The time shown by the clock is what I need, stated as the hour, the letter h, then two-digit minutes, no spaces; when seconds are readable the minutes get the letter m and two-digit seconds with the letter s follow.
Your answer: 7h07
